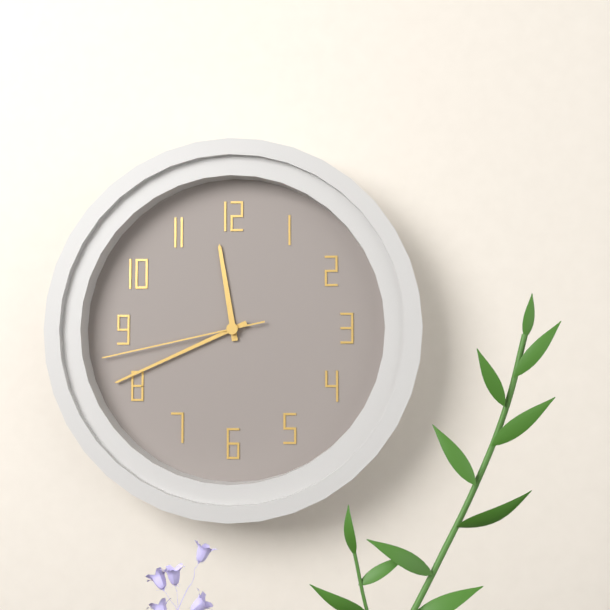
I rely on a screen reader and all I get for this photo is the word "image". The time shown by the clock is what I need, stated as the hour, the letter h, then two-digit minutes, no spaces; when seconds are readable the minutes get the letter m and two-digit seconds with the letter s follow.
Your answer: 11h41m43s
